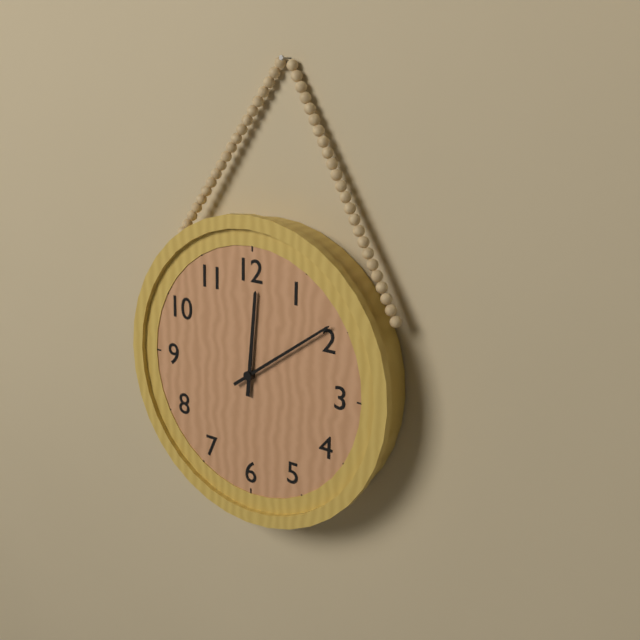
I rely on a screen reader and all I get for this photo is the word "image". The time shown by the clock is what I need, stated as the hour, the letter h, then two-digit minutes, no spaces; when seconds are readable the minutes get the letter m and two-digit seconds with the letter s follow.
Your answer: 12h09
